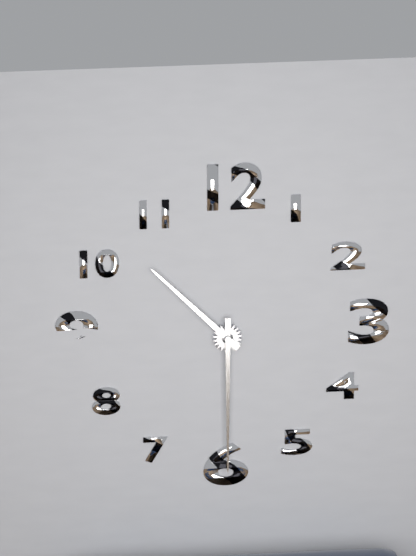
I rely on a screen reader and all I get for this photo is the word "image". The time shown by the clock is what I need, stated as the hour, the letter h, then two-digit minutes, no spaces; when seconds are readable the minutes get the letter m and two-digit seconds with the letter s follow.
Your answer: 10h30
